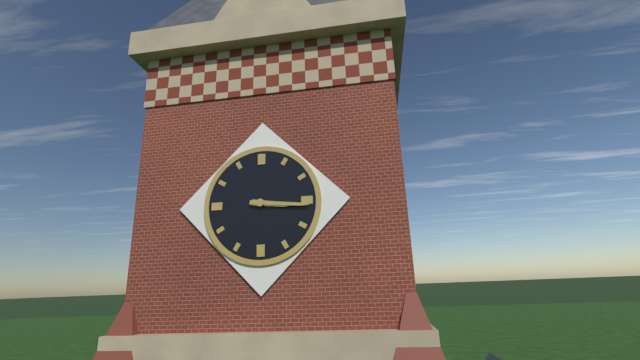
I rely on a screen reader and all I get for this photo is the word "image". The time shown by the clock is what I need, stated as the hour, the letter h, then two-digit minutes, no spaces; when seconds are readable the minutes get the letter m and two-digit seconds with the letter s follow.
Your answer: 3h16
